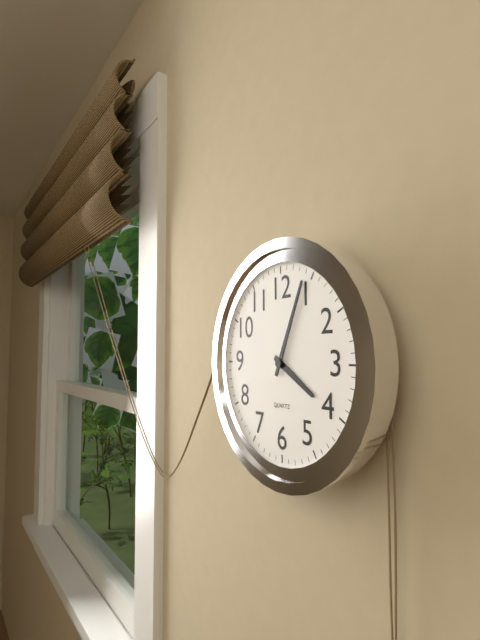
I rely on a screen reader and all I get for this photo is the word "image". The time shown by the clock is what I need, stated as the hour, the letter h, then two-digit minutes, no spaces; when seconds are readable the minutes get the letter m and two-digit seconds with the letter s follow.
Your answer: 4h04
